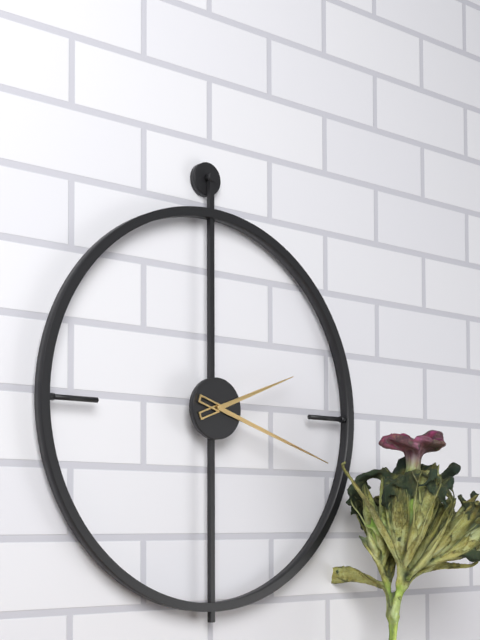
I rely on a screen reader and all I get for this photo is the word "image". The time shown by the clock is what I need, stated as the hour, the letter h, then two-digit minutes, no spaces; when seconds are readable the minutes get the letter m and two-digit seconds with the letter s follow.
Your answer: 2h18
